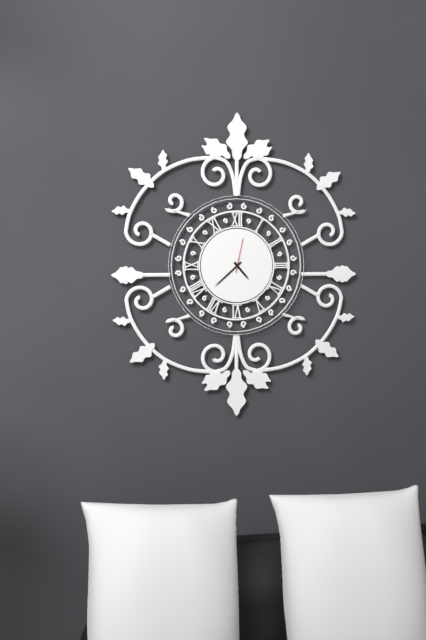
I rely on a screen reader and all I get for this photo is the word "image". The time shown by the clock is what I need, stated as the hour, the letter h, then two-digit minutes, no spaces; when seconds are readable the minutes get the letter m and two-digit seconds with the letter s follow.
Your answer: 4h38
